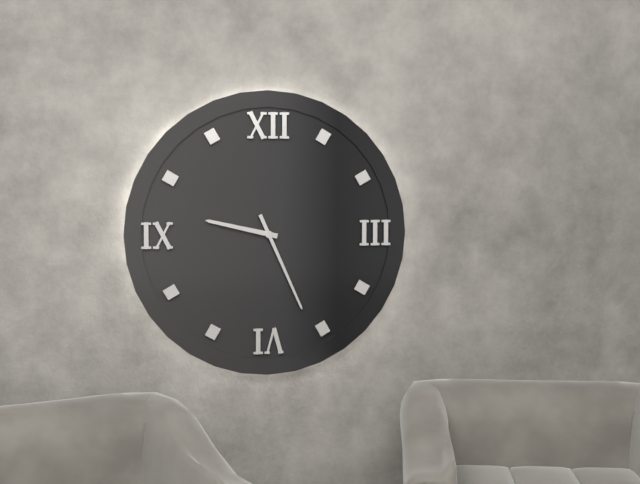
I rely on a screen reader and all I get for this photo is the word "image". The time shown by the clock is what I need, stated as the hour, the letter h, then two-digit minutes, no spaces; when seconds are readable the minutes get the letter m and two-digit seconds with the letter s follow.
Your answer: 9h26
